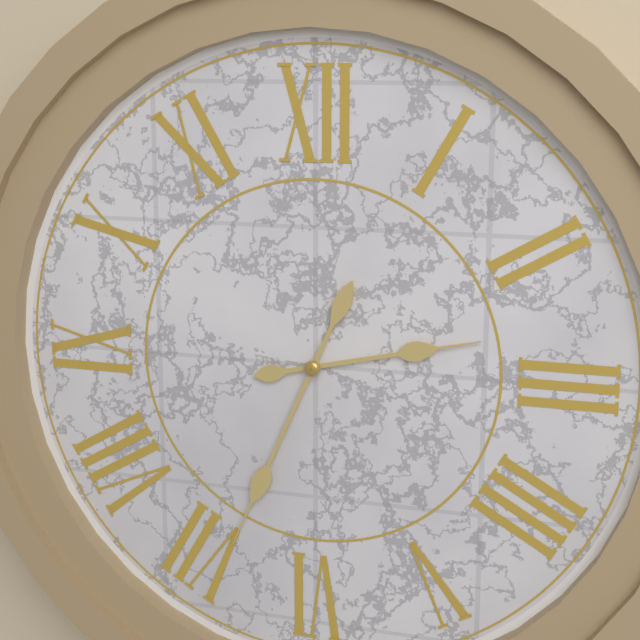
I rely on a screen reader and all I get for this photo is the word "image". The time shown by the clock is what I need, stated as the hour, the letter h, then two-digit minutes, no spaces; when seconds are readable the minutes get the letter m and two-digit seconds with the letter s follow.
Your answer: 2h34
